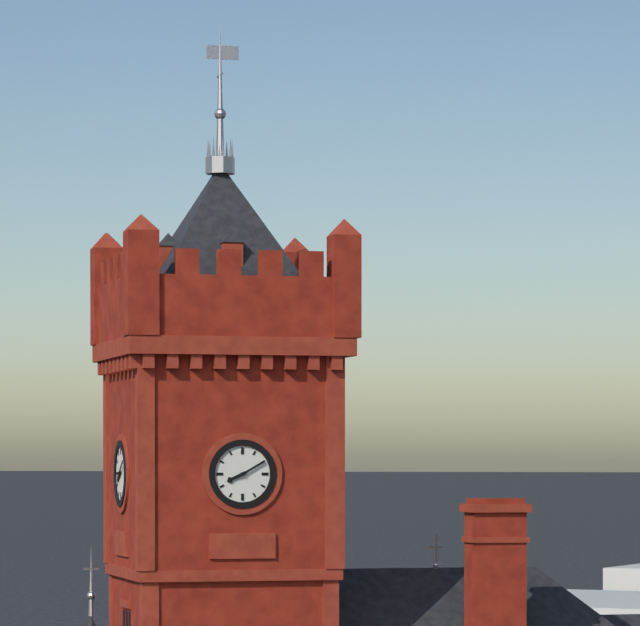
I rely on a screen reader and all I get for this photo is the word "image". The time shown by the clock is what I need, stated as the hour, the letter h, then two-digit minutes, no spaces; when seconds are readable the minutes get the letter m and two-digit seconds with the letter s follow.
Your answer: 8h10
